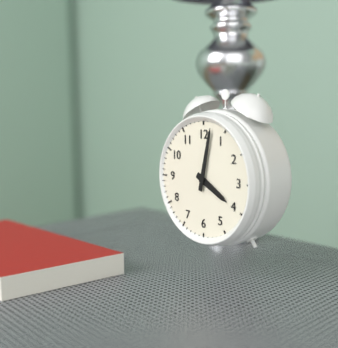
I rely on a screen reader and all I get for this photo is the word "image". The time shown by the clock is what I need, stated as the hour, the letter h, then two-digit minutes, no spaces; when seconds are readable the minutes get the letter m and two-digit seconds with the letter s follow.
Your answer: 4h02
